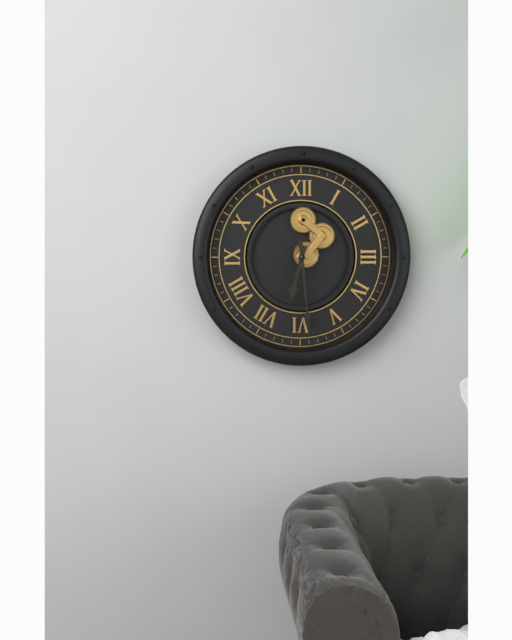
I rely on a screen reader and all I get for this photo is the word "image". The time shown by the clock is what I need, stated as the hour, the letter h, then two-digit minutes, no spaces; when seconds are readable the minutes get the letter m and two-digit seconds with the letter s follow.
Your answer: 6h29
